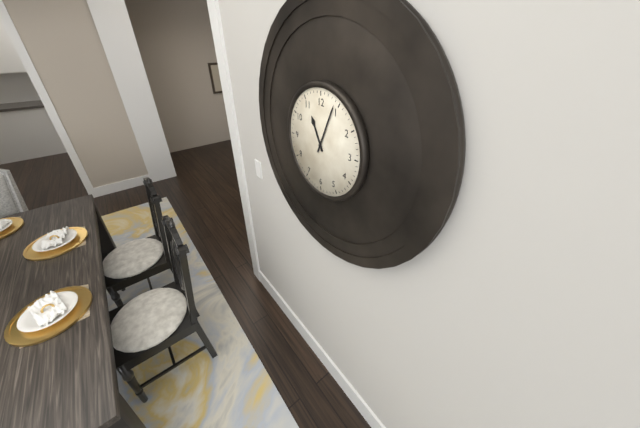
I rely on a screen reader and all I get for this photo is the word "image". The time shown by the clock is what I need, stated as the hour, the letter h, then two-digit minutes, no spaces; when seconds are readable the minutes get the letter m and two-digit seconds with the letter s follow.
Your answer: 11h04
